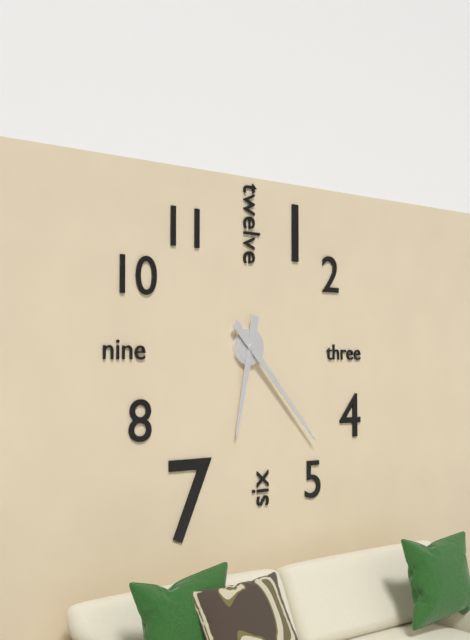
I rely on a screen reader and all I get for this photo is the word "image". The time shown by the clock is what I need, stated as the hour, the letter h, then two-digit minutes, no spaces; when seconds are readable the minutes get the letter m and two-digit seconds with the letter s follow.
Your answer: 6h23
